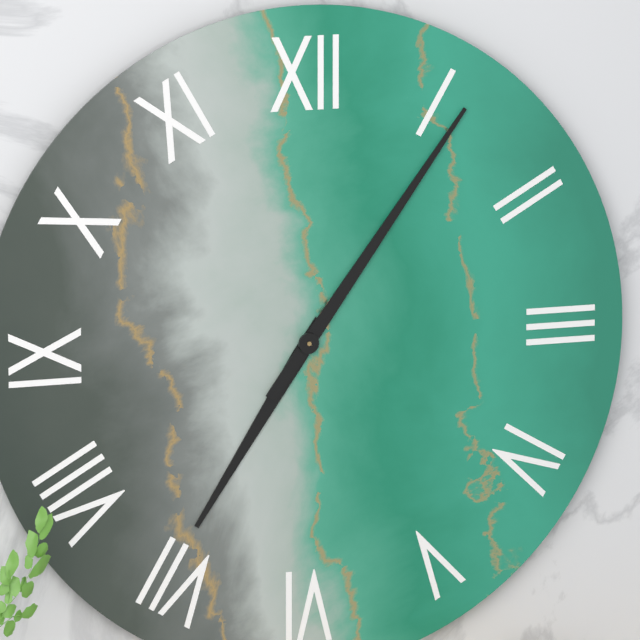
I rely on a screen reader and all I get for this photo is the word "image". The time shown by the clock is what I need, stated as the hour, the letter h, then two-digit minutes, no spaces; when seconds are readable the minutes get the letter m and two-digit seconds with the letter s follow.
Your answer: 7h06
